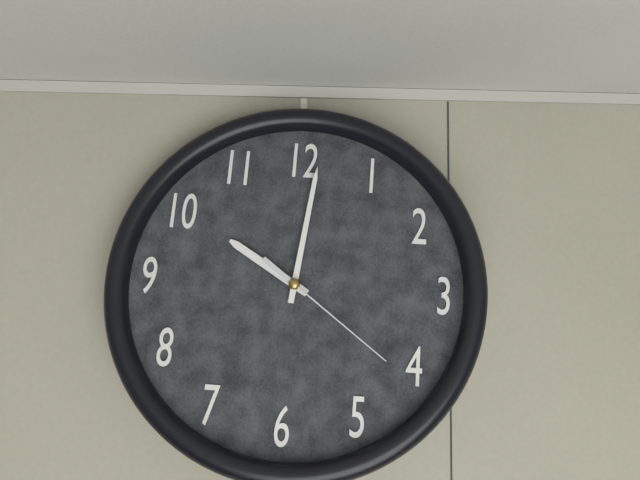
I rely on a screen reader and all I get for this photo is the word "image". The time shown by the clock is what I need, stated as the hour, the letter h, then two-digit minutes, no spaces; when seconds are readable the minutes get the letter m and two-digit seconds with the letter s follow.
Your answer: 10h01m21s
